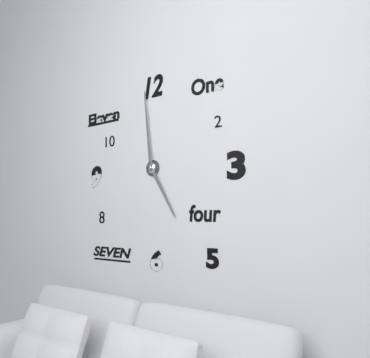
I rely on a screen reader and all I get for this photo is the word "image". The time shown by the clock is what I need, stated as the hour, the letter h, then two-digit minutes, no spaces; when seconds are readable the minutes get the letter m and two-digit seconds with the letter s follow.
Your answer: 4h59
